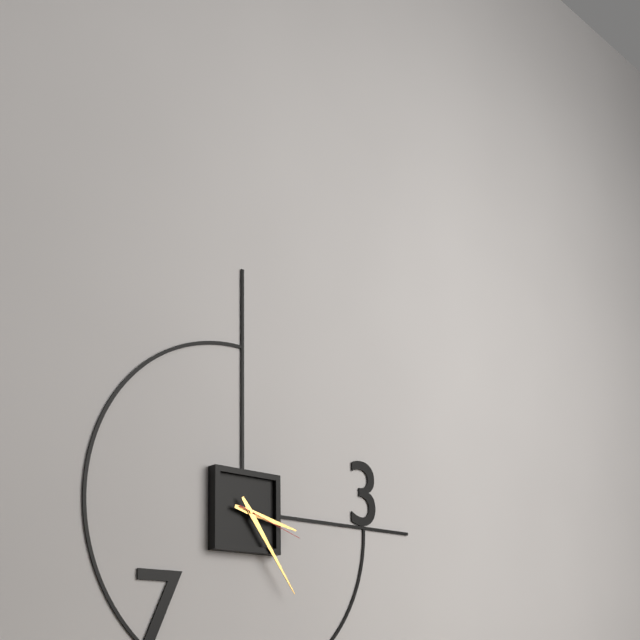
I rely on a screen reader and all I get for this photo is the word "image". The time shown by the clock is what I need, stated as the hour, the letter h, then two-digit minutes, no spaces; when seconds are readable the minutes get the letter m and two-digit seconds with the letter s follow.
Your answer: 3h24m18s
